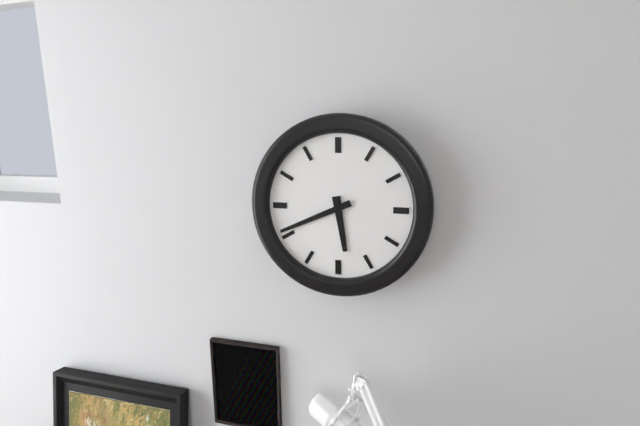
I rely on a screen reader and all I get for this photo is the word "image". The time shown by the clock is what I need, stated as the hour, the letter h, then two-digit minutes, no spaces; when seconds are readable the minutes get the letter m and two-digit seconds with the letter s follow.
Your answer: 5h41
